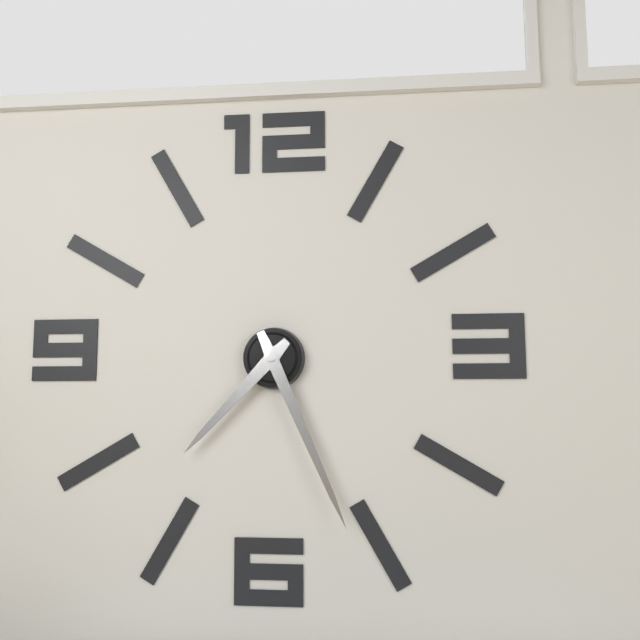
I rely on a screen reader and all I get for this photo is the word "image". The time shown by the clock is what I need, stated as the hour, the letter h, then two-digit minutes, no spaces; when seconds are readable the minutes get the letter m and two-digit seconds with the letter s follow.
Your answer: 7h26
